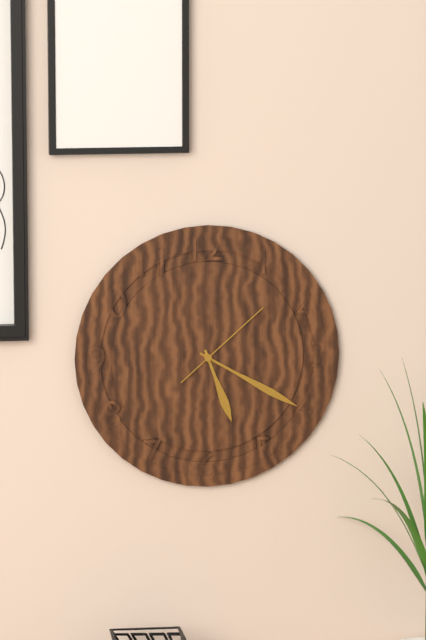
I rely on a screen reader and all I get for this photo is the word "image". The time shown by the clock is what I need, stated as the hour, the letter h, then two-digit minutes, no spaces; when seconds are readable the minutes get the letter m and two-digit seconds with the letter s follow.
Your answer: 5h20m08s
